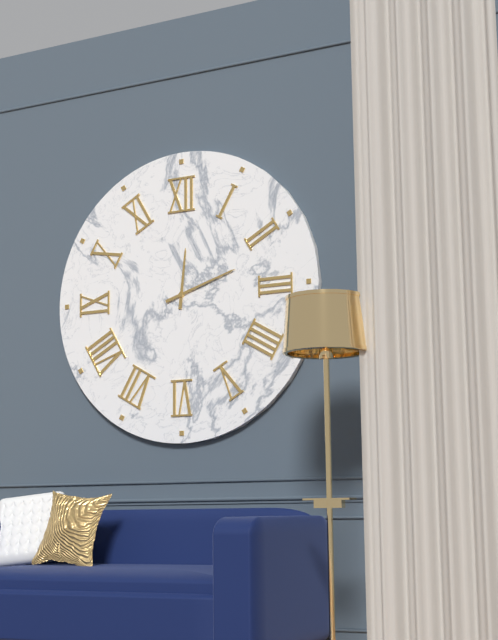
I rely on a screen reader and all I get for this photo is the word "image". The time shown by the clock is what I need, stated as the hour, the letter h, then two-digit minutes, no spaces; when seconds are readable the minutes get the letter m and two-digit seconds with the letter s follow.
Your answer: 12h12
